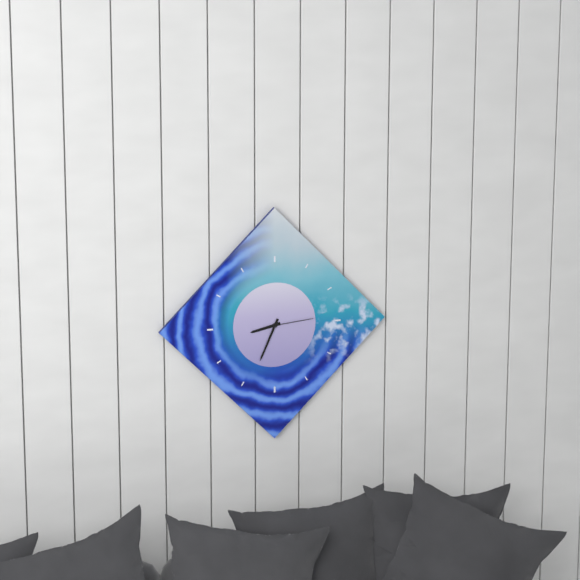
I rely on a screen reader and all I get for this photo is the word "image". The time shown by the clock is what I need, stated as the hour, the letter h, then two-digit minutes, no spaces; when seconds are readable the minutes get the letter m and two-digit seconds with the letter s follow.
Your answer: 8h34m14s
